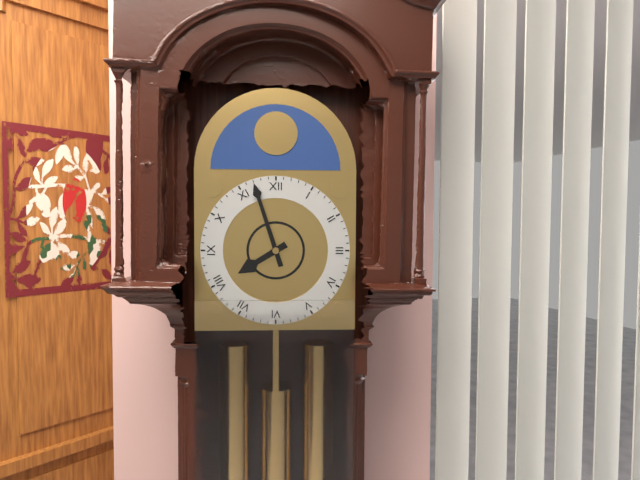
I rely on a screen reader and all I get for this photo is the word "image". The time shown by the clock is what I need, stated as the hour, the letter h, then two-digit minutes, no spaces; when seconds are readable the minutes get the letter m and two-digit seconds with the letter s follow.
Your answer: 7h57
